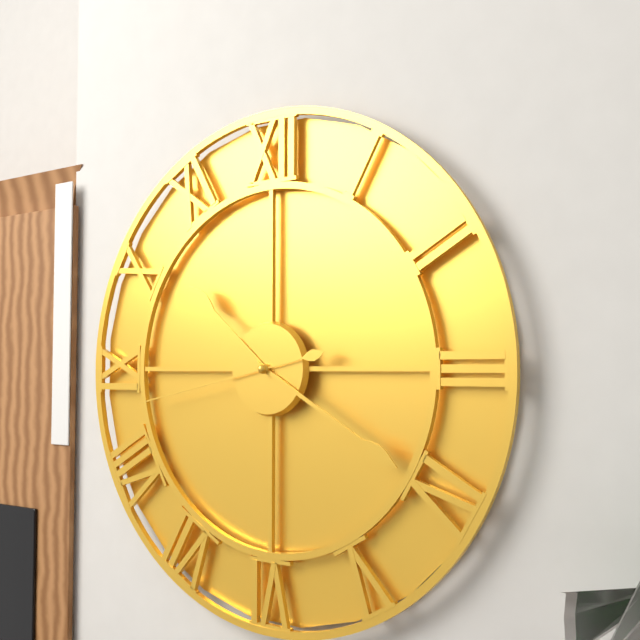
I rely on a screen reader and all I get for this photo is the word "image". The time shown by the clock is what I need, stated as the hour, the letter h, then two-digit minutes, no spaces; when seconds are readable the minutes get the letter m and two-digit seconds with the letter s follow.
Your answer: 10h20m43s
